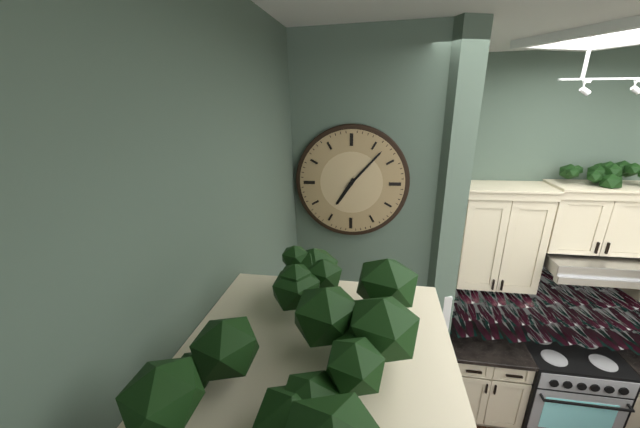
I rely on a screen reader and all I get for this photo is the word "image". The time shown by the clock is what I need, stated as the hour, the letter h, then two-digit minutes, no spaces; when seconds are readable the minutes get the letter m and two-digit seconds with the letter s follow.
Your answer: 7h07
